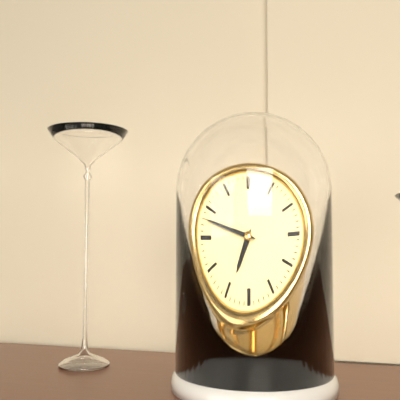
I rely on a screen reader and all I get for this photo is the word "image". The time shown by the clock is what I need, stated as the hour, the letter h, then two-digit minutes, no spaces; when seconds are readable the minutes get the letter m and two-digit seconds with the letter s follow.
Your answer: 6h48
